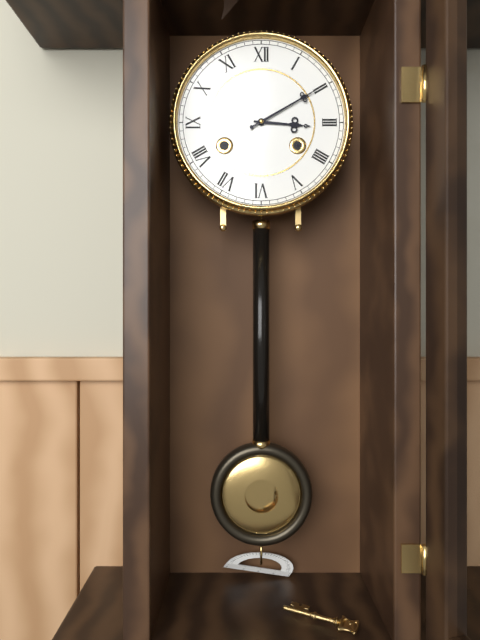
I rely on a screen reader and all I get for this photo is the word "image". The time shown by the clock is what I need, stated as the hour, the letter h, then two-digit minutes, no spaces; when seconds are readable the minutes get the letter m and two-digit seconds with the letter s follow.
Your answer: 3h10
